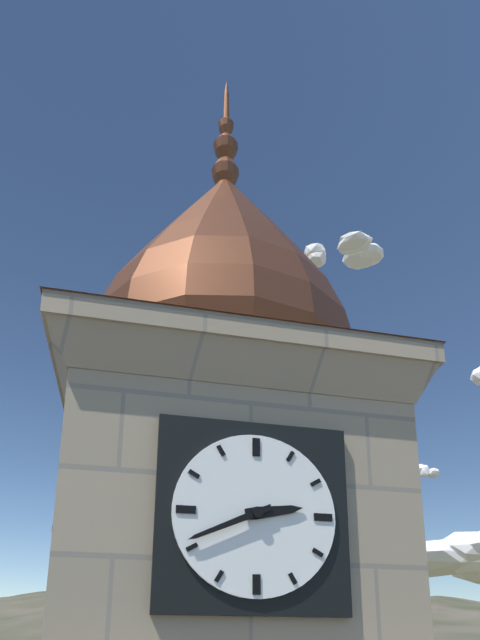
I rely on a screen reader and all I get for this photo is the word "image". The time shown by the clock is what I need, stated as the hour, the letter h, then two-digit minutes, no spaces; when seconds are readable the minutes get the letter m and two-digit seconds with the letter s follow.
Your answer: 2h41
